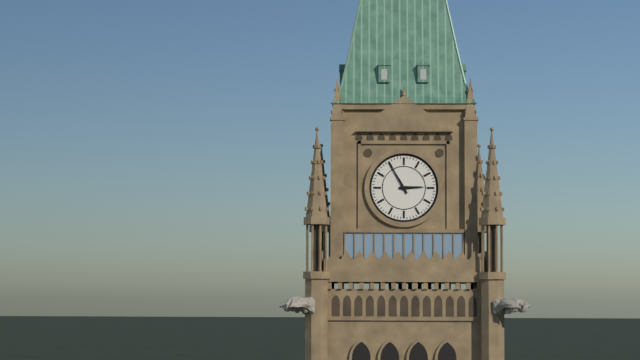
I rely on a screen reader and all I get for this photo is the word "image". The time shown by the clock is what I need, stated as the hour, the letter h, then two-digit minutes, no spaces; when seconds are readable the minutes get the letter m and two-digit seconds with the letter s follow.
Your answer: 2h55
